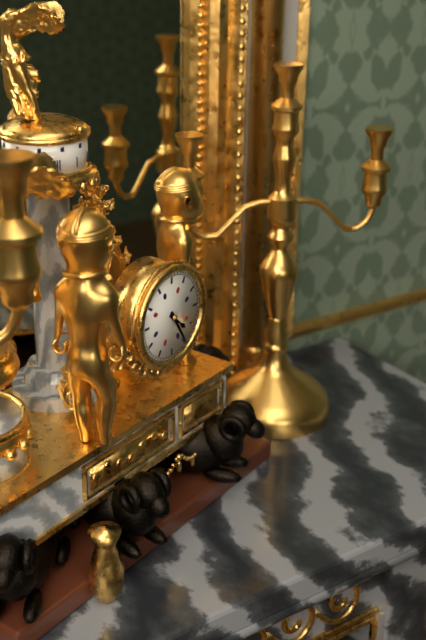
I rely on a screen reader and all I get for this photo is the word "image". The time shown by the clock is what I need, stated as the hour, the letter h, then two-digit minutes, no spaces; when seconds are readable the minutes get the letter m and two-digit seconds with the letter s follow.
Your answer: 4h25
